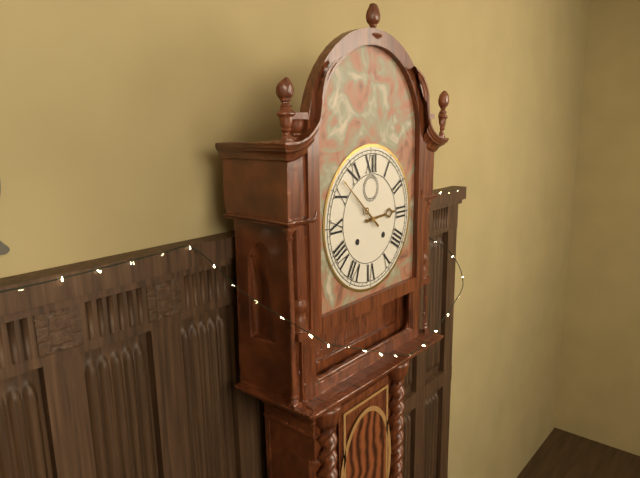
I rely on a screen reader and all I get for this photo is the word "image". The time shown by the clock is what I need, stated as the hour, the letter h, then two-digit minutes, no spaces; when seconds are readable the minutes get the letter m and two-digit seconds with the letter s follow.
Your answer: 2h52
